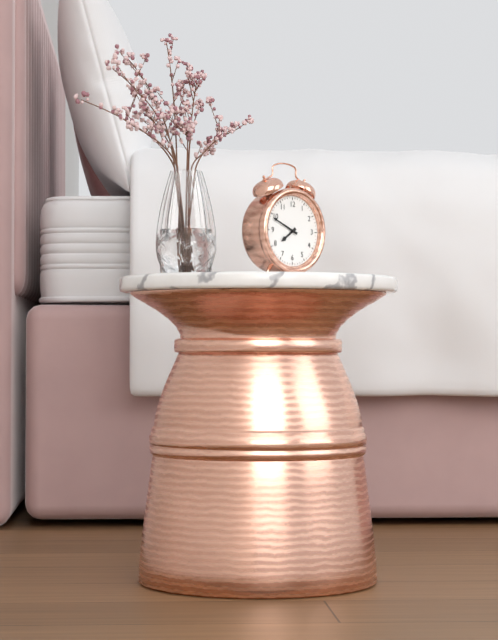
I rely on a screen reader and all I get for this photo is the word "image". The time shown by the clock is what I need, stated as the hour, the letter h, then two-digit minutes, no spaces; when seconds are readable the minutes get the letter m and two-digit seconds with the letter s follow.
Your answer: 7h49
